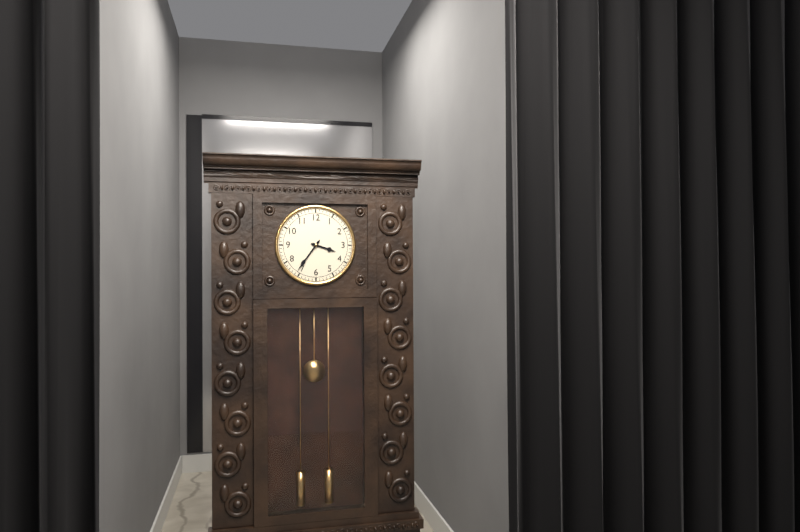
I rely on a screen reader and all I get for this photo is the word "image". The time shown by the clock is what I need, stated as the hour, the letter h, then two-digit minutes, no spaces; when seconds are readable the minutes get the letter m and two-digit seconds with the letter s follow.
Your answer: 3h36
